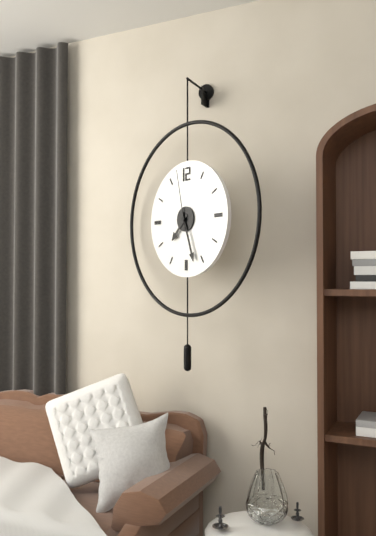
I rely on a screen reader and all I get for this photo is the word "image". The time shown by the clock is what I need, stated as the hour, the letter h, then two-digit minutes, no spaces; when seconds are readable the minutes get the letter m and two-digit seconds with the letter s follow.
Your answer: 7h27m58s
